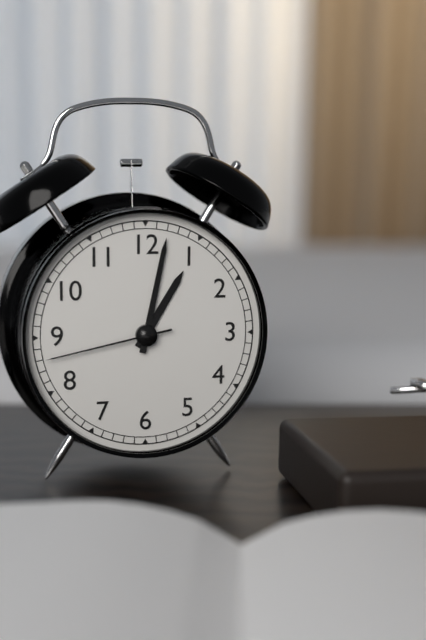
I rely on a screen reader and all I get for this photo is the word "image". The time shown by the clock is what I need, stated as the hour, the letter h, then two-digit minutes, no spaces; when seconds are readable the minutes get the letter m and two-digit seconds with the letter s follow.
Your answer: 1h02m43s
